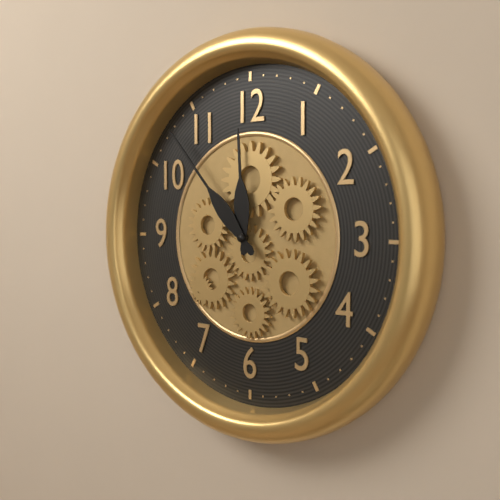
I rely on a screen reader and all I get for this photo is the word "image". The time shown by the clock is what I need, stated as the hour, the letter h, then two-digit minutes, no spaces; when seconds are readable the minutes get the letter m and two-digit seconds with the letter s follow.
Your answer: 11h53
